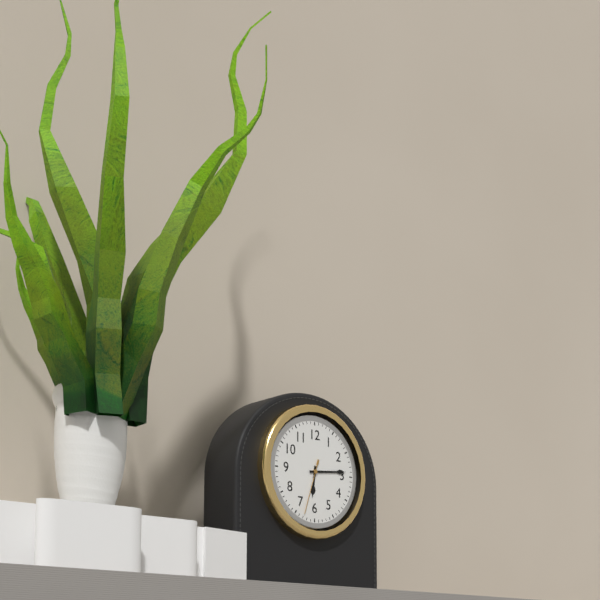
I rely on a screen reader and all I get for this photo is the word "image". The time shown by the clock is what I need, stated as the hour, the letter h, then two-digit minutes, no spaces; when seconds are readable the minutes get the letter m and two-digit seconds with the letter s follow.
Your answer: 6h14m33s
